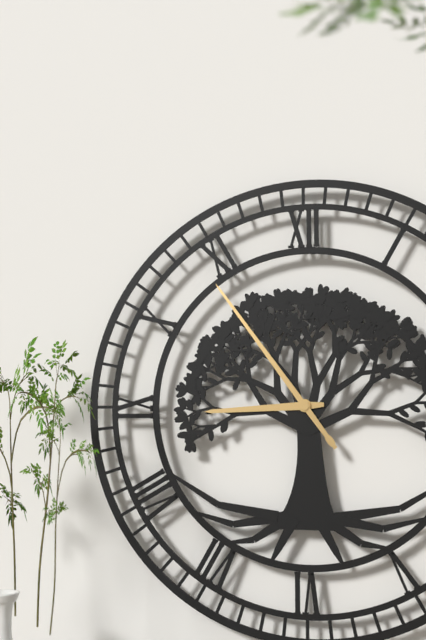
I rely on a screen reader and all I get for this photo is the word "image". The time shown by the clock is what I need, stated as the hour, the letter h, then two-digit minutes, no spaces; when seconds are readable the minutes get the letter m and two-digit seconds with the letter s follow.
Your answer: 8h54
